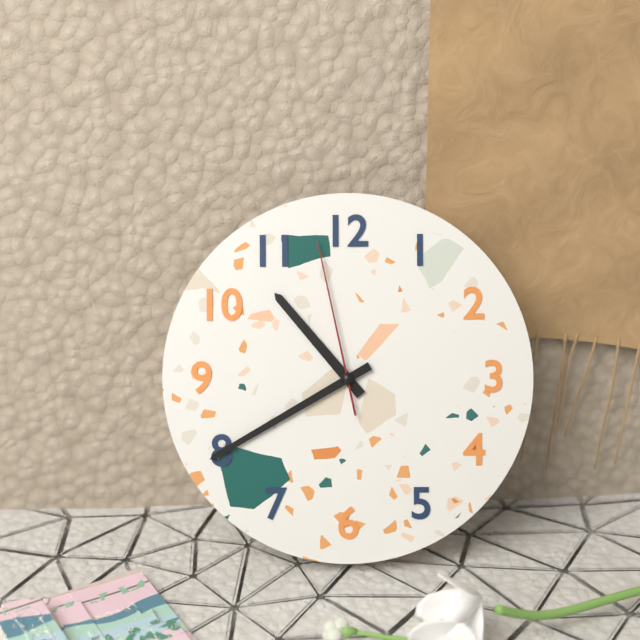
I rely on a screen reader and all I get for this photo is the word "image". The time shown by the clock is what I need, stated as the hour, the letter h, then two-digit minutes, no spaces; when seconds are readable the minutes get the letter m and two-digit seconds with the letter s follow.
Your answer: 10h40m58s
